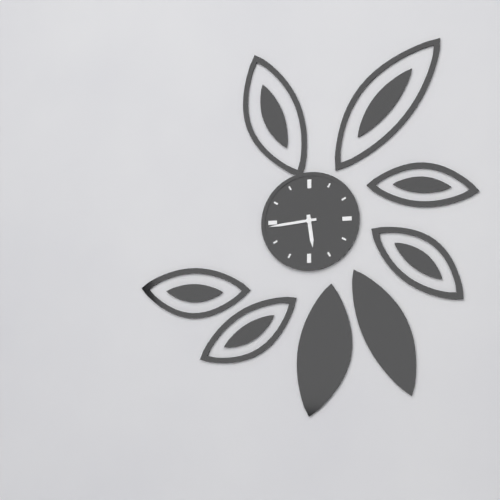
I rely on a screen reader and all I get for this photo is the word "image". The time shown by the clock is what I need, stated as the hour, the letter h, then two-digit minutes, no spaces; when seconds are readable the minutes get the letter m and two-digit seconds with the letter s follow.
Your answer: 5h44
